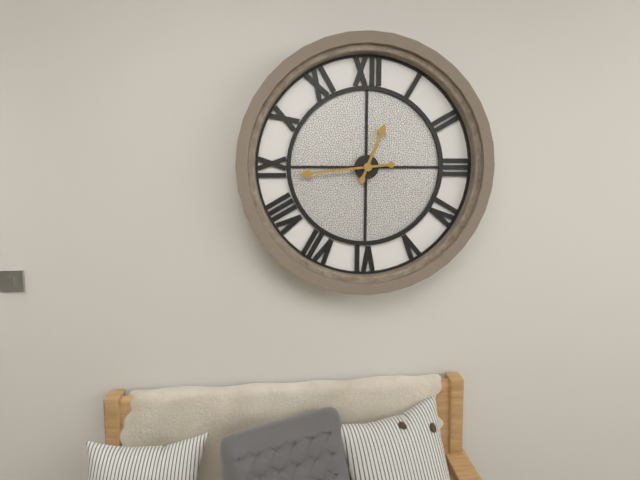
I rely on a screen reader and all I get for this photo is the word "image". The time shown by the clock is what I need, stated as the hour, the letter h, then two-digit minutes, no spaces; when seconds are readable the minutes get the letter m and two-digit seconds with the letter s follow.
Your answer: 12h44
